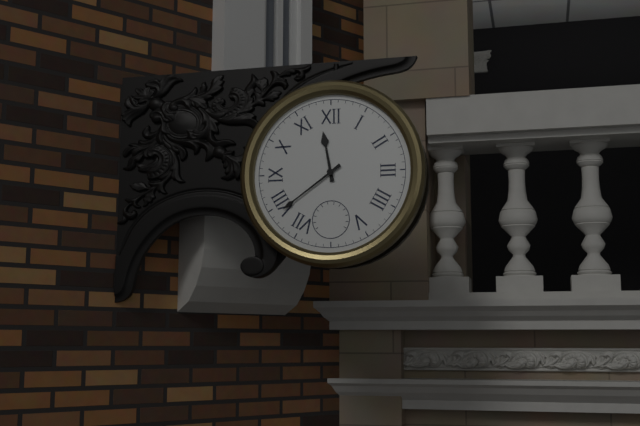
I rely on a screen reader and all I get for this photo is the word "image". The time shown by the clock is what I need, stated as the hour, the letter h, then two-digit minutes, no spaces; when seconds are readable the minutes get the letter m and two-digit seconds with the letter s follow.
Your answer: 11h39
